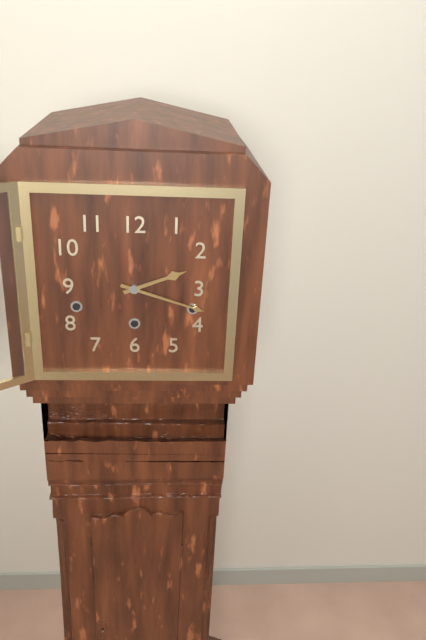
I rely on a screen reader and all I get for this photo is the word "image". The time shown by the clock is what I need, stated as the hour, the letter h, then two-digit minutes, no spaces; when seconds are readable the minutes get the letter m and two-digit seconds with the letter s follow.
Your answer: 2h18
